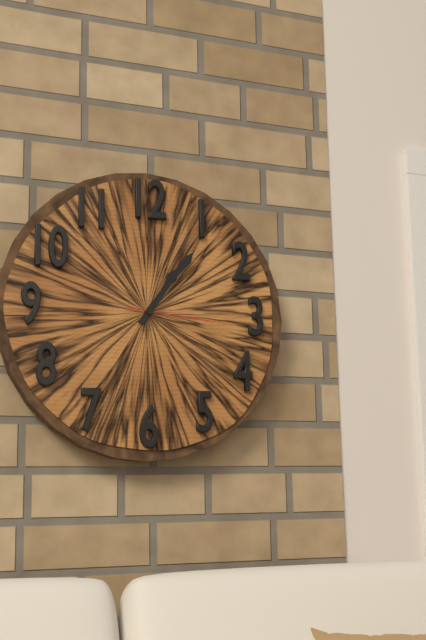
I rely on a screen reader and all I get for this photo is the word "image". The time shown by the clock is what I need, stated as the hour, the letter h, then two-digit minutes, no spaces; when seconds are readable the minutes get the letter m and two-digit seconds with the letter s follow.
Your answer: 1h06m16s
